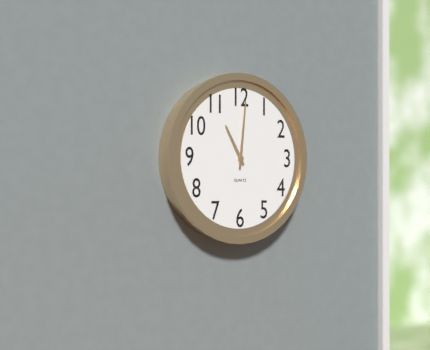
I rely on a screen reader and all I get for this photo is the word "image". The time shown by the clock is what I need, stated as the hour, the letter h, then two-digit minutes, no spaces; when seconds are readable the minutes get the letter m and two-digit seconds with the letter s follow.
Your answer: 11h01
